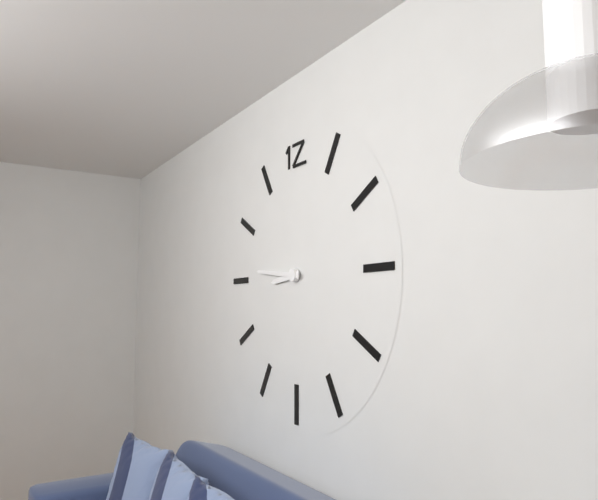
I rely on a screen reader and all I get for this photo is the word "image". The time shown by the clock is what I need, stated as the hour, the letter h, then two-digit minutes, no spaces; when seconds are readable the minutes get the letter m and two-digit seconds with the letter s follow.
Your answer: 8h46
